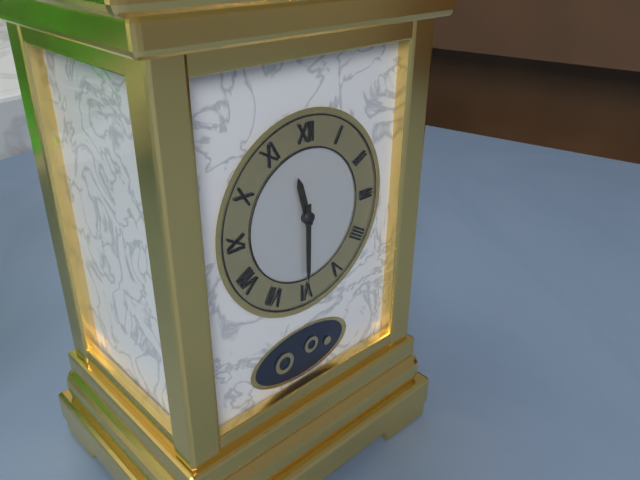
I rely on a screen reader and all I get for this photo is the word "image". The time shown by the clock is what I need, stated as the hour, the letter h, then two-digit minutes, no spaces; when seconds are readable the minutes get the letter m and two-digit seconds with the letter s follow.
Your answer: 11h30
